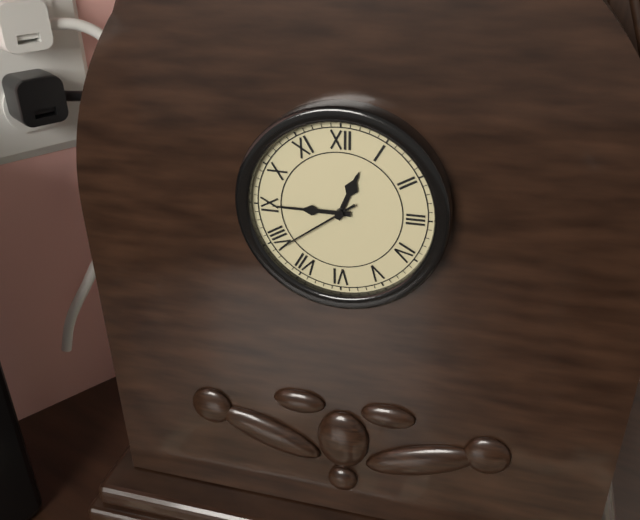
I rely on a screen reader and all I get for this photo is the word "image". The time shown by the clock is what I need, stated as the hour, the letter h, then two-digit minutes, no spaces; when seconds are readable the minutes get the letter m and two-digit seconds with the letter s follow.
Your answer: 12h45m39s
